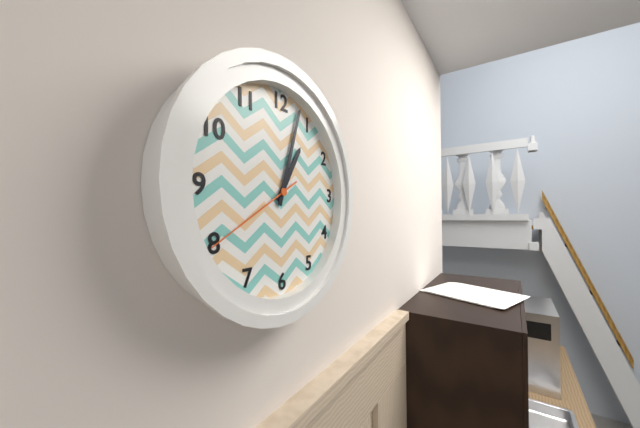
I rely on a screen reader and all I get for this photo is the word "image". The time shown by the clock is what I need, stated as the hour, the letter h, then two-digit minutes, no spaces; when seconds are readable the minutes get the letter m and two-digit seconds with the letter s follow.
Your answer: 1h03m40s
